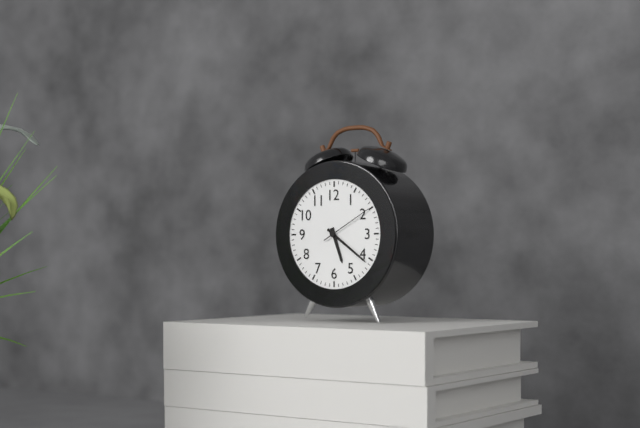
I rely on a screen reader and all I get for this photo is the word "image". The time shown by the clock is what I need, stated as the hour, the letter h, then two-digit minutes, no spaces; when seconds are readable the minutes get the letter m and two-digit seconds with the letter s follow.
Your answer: 5h21m10s
